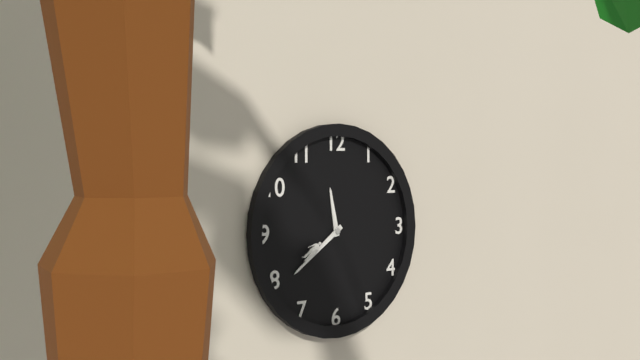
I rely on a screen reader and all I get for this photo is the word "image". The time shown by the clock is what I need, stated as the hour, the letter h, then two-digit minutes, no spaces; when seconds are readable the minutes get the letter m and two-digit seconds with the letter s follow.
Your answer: 11h39
